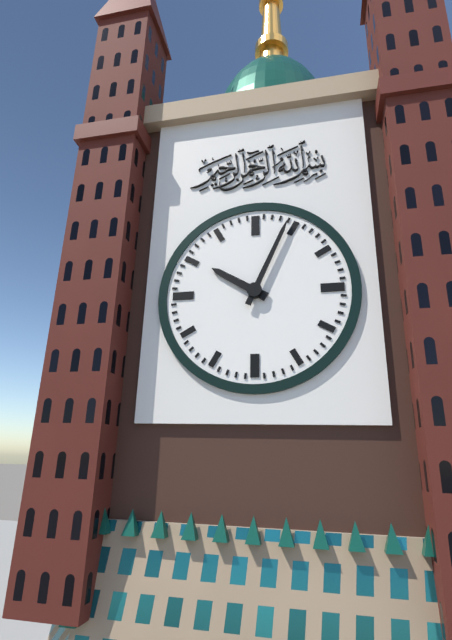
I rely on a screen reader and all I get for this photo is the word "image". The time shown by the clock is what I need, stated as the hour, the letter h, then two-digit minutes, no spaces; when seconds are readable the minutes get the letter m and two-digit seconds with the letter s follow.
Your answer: 10h04
